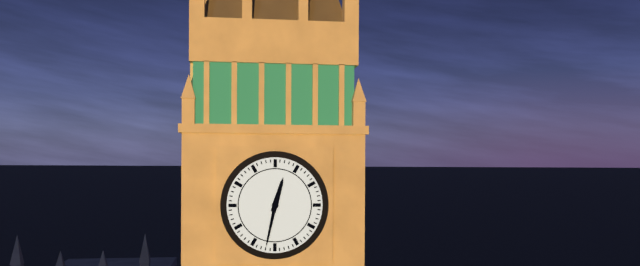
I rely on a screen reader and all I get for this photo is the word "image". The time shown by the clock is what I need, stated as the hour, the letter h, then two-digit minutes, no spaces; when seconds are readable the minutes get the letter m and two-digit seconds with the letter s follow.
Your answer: 12h32
